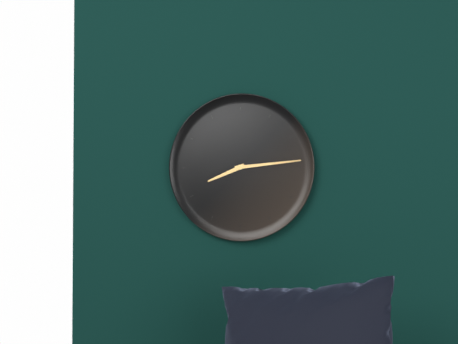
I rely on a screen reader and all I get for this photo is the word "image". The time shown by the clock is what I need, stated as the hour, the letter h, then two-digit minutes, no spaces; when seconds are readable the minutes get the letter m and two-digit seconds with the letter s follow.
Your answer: 8h14
